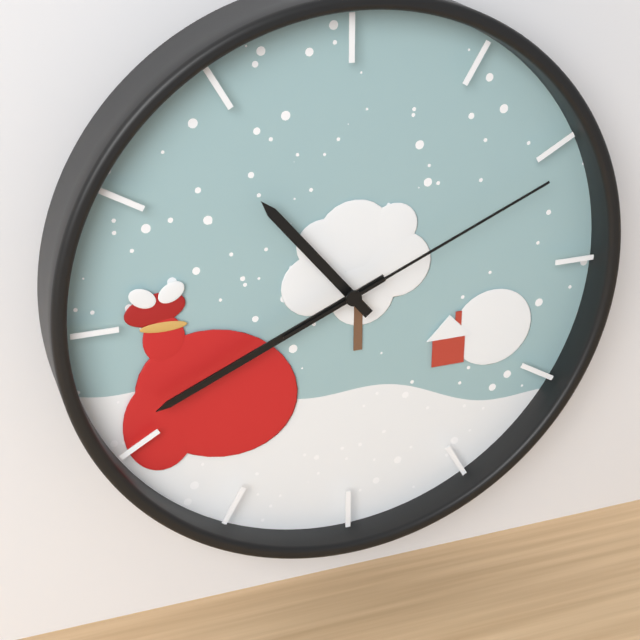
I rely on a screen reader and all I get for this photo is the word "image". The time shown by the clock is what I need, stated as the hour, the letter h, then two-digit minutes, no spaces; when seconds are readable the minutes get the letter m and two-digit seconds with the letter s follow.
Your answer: 10h41m11s
